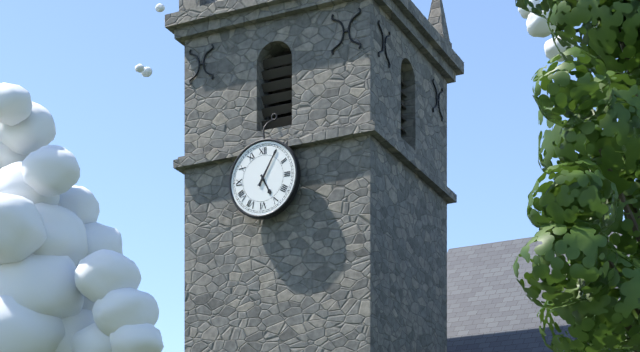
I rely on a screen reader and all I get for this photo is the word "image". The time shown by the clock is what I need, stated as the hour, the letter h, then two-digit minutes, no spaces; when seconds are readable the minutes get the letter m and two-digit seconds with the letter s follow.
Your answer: 5h05
